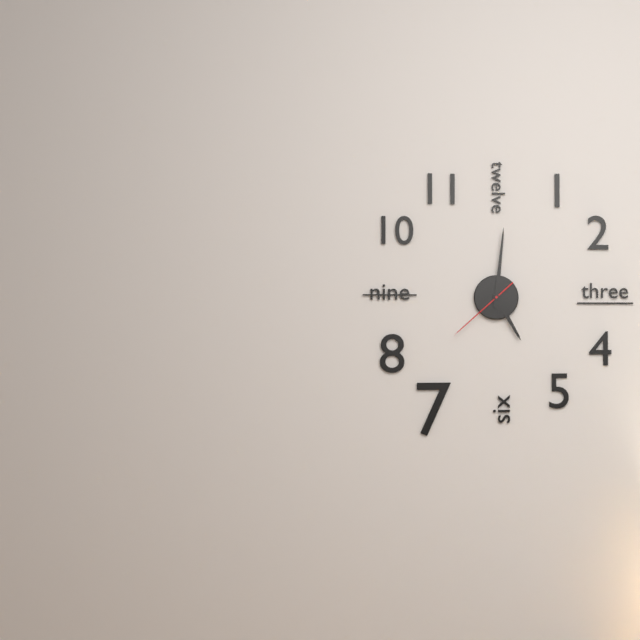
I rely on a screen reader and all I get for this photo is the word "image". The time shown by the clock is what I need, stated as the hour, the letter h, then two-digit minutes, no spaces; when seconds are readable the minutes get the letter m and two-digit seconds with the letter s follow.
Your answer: 5h01m38s
